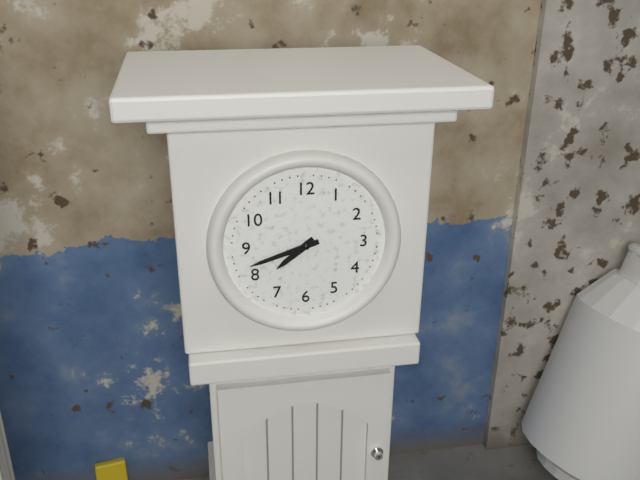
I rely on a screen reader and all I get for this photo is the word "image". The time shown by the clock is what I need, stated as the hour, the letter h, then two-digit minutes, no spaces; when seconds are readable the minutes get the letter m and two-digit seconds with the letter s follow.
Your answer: 7h42
